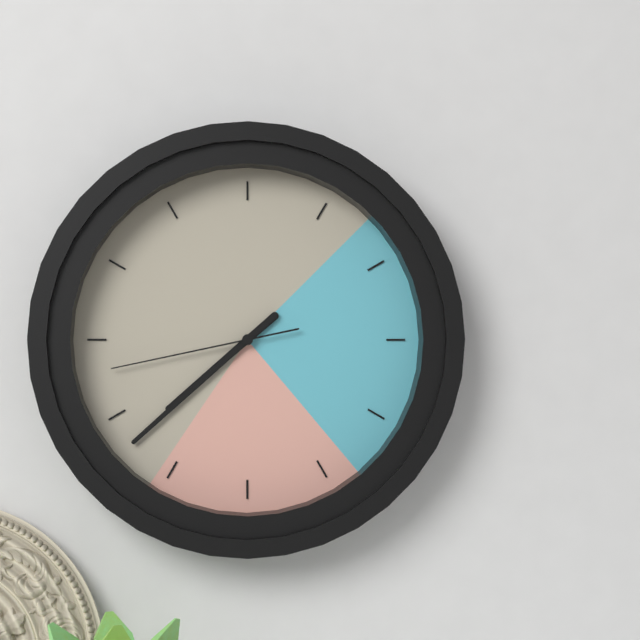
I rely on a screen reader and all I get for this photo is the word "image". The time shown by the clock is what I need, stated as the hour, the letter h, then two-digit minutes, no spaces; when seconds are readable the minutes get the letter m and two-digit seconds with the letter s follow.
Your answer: 7h38m43s
